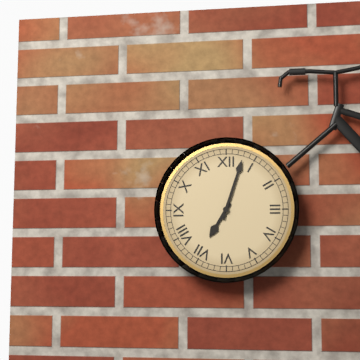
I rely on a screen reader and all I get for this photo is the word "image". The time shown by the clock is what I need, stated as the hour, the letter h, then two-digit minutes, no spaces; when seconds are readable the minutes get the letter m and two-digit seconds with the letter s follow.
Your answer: 7h03
